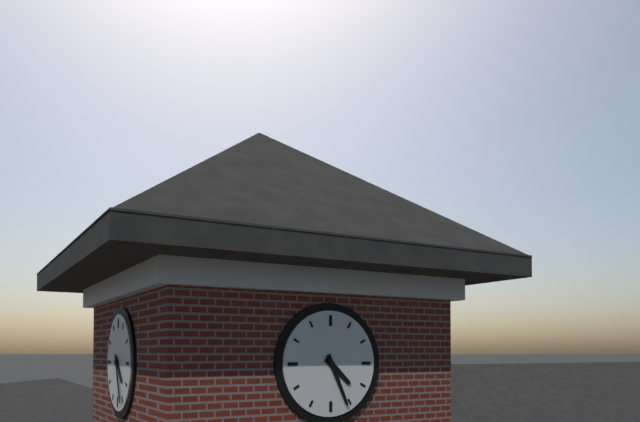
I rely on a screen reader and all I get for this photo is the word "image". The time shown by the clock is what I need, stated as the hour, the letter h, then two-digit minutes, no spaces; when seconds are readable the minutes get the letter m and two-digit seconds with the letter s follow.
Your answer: 4h26
